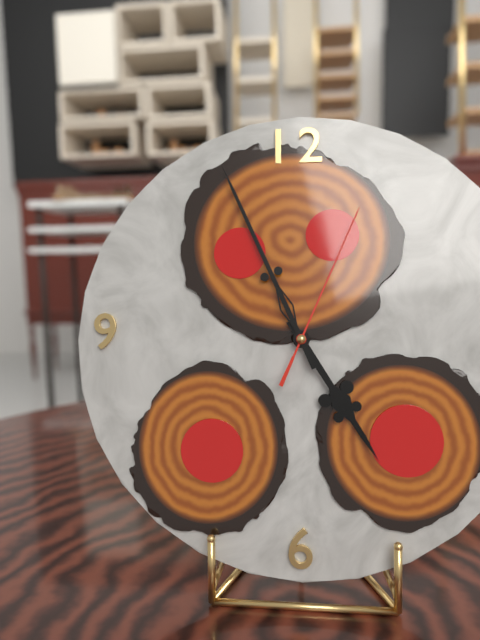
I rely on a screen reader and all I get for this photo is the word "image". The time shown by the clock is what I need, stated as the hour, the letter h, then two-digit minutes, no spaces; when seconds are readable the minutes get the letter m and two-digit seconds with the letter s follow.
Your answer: 4h56m04s
